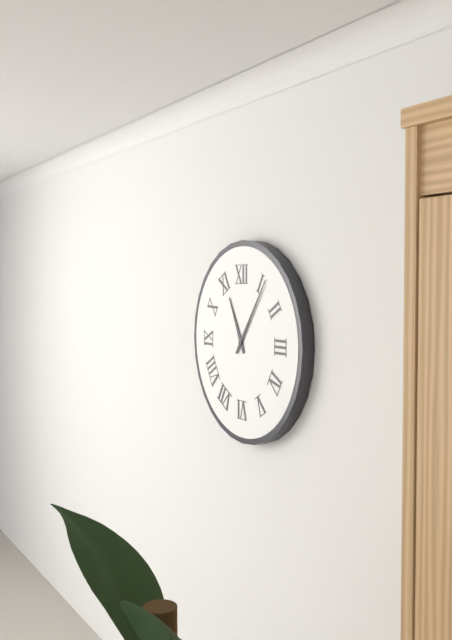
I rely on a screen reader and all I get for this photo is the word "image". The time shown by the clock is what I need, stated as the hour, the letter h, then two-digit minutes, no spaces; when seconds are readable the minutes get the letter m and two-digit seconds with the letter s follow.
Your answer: 11h06
